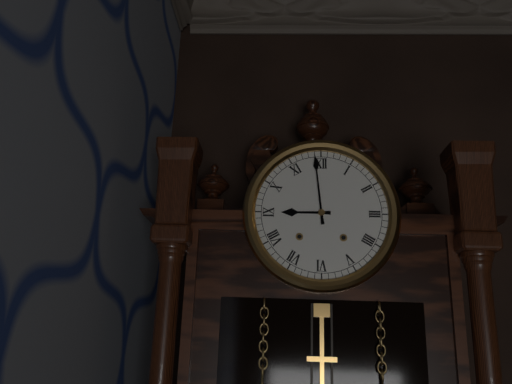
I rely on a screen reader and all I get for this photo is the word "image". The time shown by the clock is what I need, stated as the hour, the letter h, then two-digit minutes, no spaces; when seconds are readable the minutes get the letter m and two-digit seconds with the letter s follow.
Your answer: 8h59
